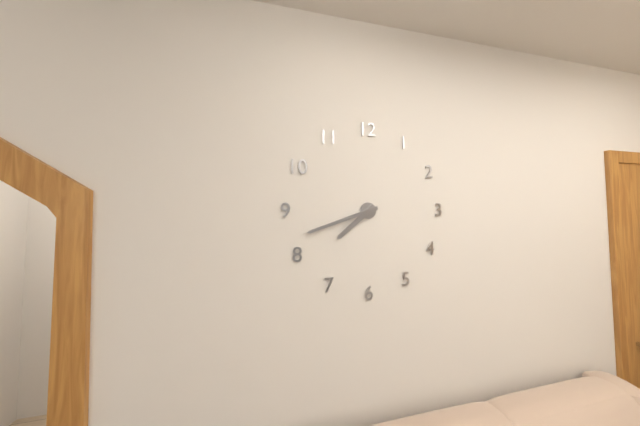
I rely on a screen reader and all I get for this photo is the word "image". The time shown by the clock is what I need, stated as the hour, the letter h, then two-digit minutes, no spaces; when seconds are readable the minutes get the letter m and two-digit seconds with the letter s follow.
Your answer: 7h42
